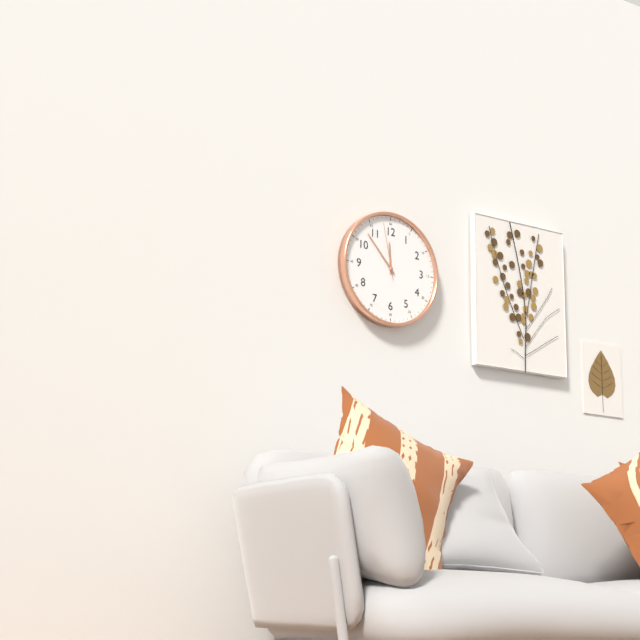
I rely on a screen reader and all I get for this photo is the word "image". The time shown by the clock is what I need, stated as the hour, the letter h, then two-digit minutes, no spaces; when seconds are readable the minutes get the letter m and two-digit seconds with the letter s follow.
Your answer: 11h53m58s
